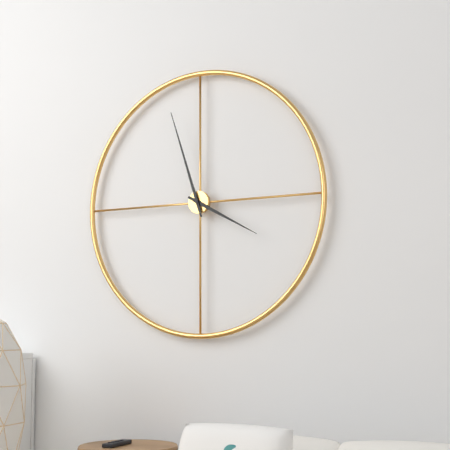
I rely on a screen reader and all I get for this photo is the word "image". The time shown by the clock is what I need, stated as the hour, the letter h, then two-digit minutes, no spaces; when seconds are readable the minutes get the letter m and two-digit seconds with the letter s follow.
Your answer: 3h57
